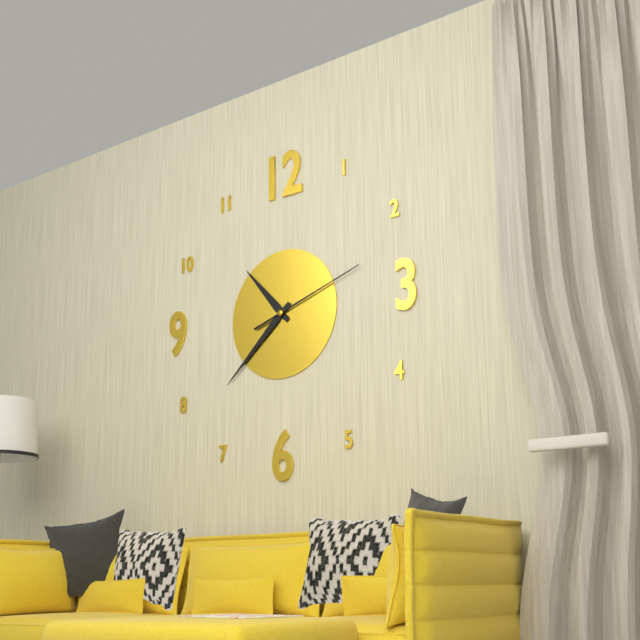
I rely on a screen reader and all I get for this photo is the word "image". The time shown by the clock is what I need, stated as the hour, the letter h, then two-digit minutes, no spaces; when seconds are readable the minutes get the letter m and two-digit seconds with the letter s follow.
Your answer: 10h38m12s
